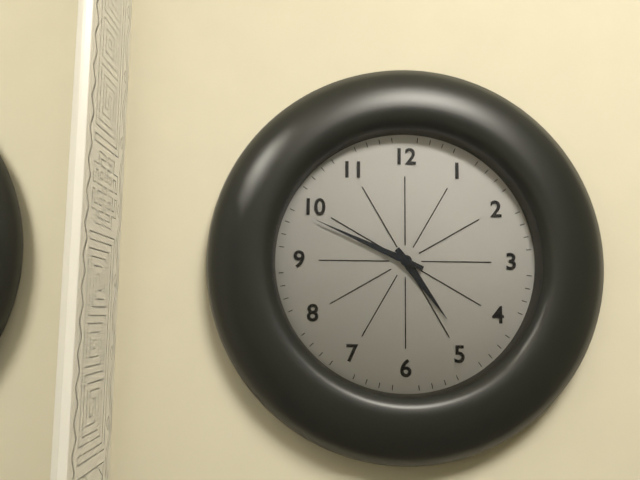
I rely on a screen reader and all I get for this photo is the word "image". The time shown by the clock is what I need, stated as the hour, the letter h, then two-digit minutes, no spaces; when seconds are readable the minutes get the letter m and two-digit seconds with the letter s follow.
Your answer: 4h49
